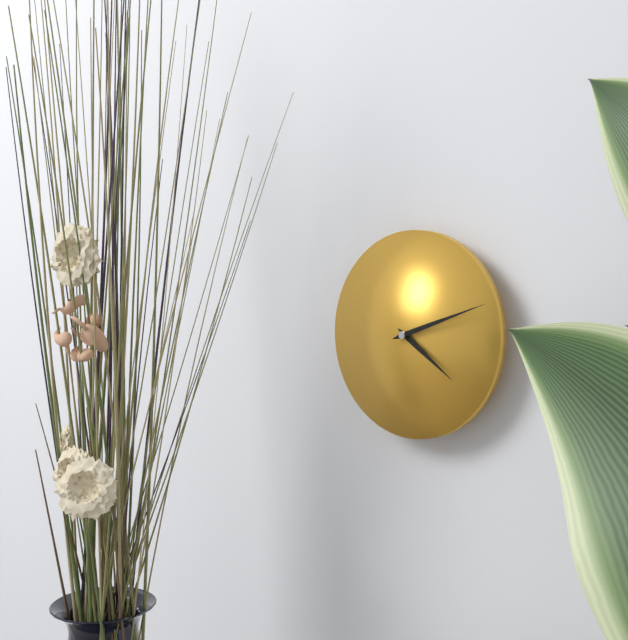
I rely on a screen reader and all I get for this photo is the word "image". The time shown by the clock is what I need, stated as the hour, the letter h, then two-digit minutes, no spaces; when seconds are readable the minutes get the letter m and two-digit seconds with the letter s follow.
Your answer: 4h12
